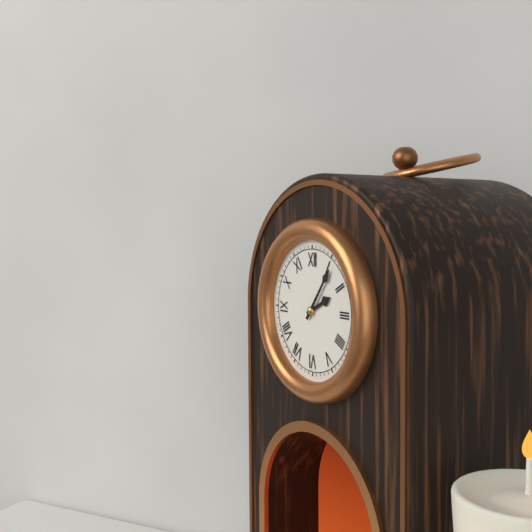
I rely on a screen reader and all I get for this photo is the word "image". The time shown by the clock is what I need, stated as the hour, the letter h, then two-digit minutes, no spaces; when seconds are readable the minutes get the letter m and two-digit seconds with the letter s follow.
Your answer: 2h06
